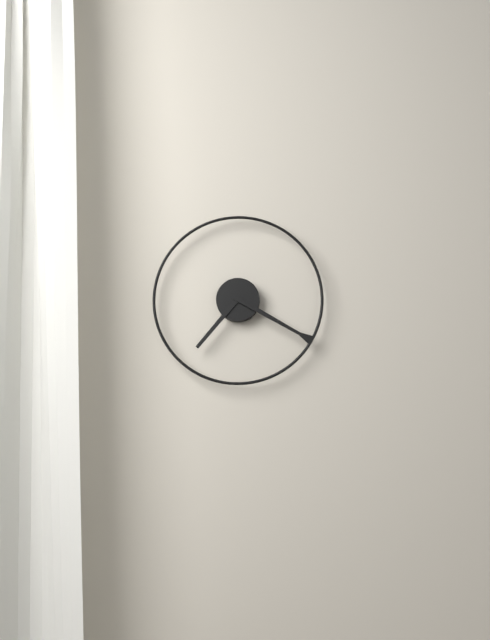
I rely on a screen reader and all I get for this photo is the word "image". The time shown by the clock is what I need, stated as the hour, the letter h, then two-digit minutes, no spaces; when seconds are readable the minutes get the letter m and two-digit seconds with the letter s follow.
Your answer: 7h20
